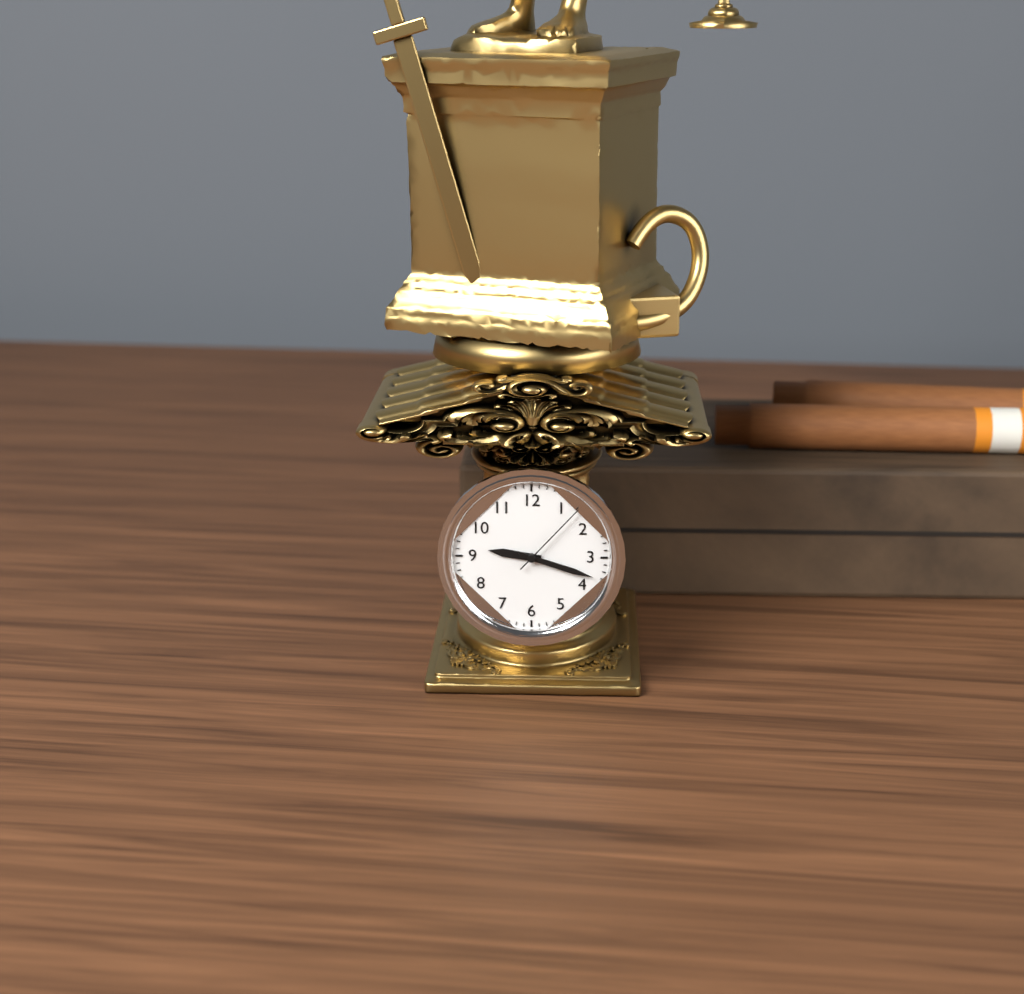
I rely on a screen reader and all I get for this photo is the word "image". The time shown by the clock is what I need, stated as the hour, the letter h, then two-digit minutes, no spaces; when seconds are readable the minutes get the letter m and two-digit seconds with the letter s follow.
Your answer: 9h18m07s
